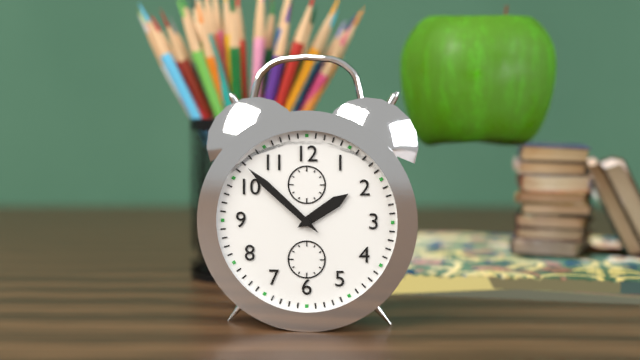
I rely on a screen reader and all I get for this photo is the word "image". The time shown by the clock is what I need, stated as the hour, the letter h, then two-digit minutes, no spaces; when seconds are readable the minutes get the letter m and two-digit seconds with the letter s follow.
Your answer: 1h52
